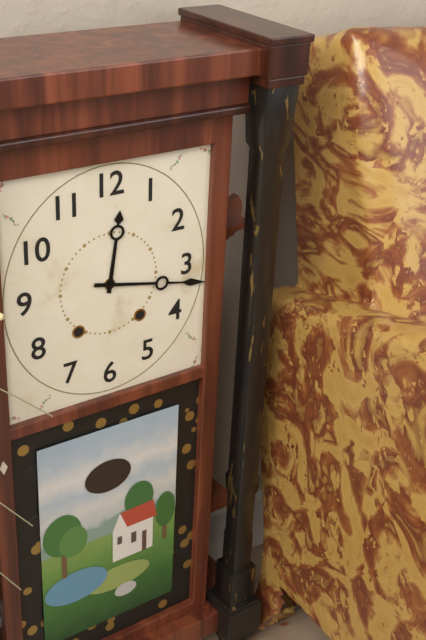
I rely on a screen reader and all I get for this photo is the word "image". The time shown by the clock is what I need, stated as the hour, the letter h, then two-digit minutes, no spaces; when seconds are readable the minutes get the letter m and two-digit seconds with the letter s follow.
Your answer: 12h17
